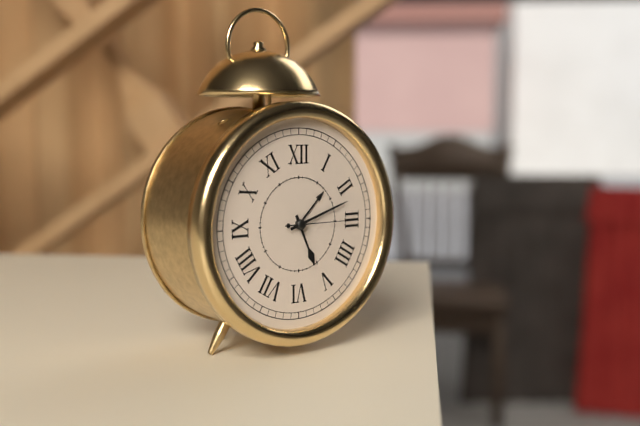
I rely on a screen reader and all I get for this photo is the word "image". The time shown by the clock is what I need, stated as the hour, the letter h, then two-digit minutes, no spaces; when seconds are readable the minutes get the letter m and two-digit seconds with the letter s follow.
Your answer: 5h12m15s
